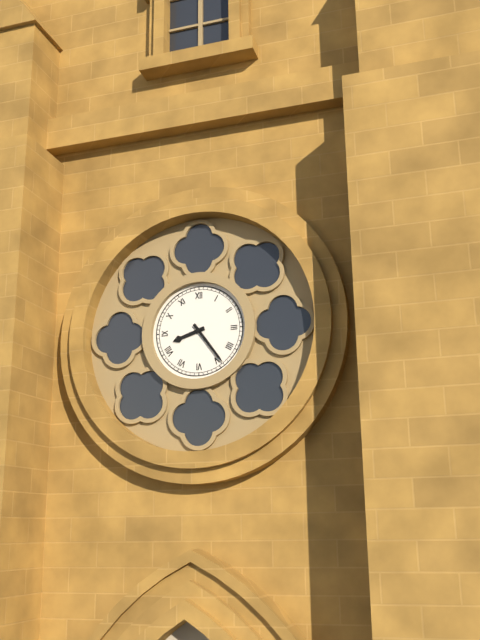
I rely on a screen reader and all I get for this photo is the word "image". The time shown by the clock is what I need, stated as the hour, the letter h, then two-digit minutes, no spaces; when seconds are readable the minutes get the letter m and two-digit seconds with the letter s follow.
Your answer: 8h24
